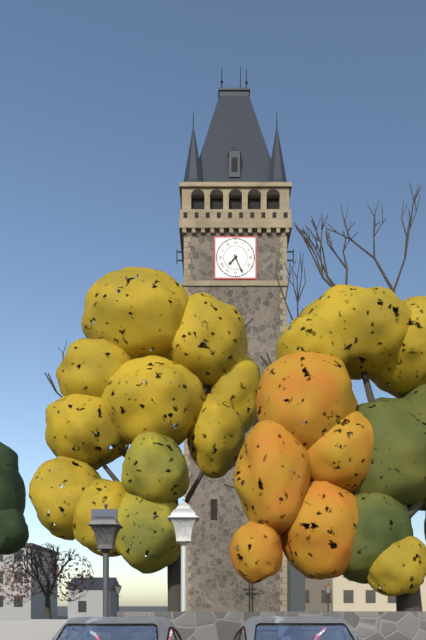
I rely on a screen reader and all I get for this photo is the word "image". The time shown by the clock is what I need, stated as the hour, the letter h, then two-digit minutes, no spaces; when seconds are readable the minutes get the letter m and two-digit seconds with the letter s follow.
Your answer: 7h26
